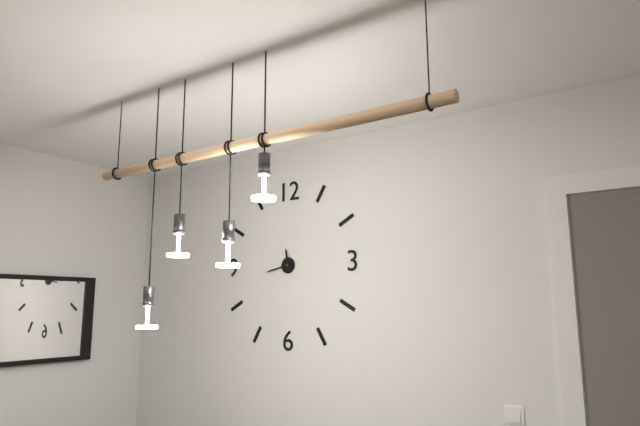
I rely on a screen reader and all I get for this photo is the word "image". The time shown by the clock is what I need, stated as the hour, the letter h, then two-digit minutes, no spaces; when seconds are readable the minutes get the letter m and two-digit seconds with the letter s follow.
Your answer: 11h43
